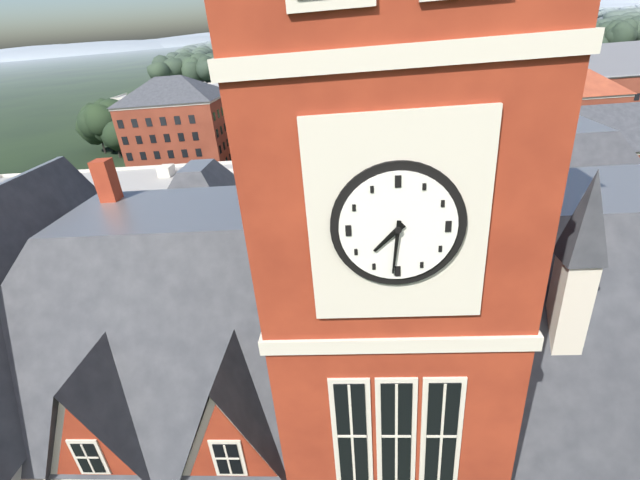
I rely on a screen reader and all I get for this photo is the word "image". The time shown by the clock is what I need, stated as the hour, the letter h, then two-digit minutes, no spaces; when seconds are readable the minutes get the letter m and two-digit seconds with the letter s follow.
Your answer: 7h31
